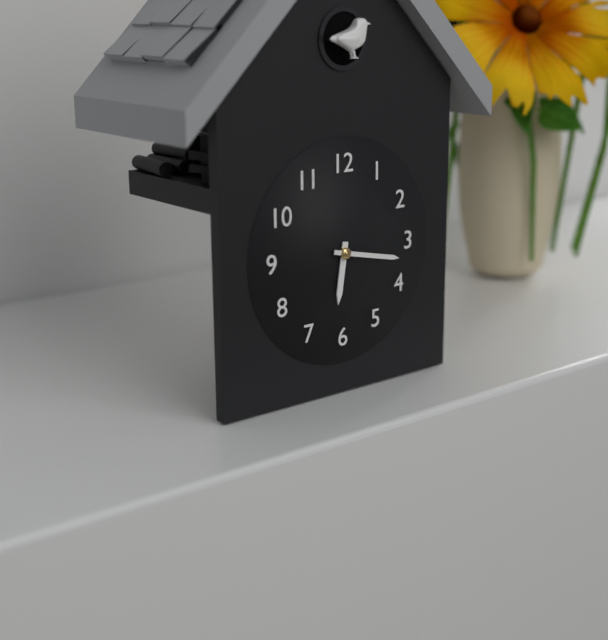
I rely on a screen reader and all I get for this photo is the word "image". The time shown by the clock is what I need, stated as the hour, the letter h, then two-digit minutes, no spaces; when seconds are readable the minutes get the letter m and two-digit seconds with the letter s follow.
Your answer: 6h17
